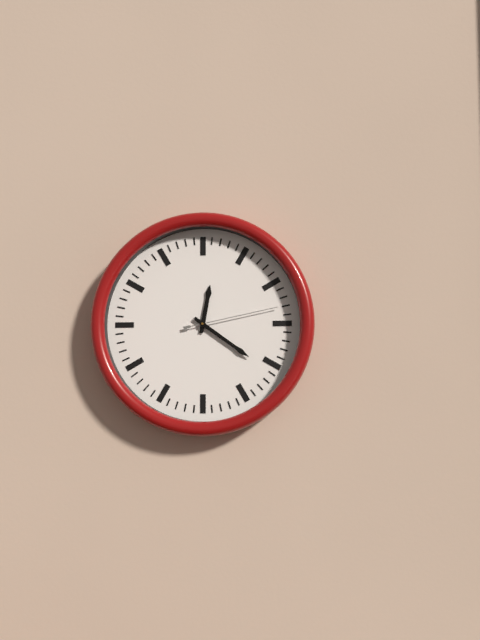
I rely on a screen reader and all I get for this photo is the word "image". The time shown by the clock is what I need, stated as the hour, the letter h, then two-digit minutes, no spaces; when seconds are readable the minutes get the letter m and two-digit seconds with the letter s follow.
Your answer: 12h21m13s
